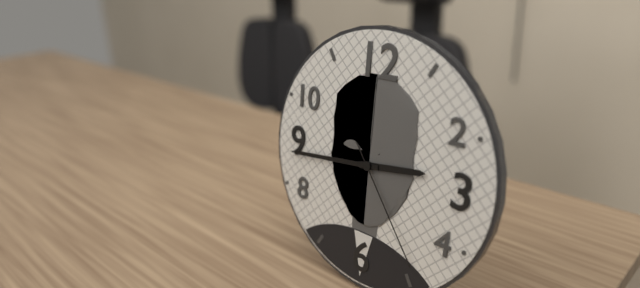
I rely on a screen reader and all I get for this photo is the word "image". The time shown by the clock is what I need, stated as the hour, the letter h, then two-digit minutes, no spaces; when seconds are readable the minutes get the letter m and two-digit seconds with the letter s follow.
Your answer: 2h44m24s
